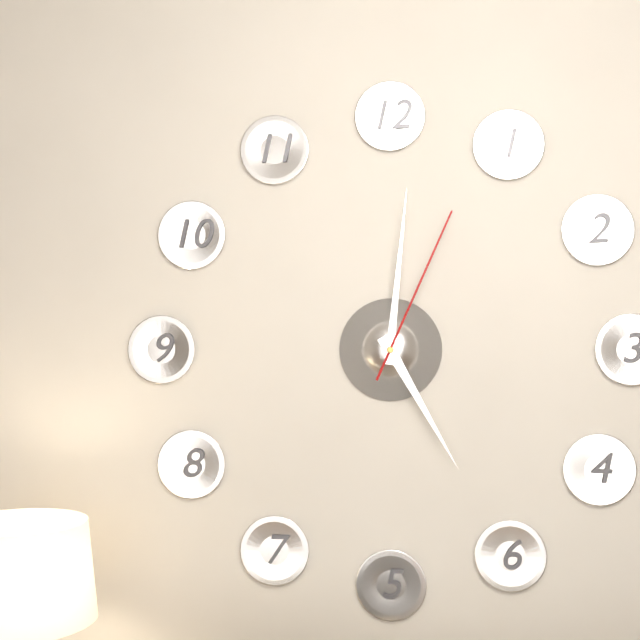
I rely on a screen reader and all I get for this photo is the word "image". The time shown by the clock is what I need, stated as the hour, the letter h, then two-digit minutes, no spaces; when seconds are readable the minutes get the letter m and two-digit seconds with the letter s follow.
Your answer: 5h01m04s
